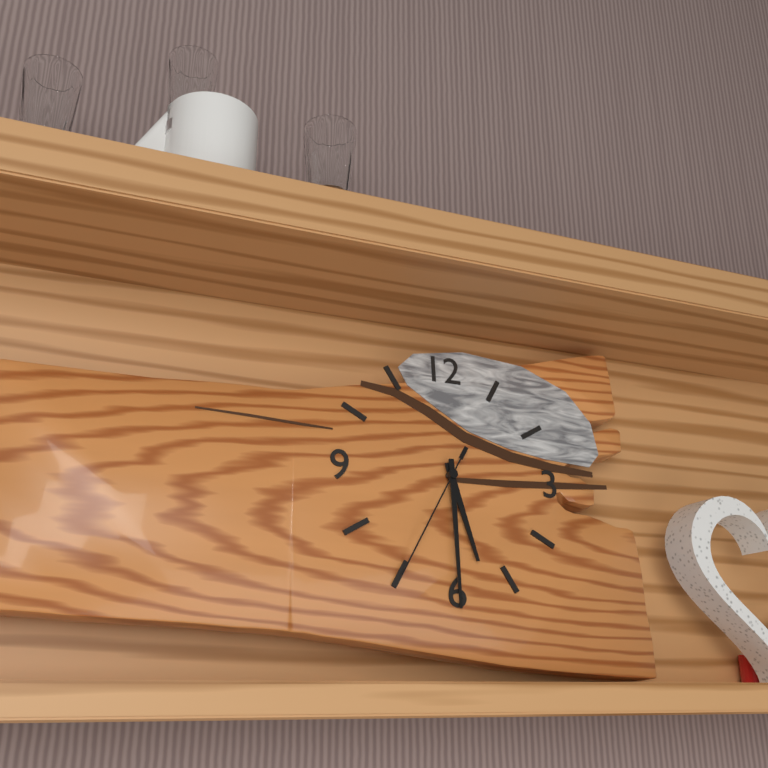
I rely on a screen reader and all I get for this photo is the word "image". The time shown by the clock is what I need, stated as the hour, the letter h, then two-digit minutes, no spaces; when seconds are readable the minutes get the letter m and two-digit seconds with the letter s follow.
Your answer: 5h30m35s
